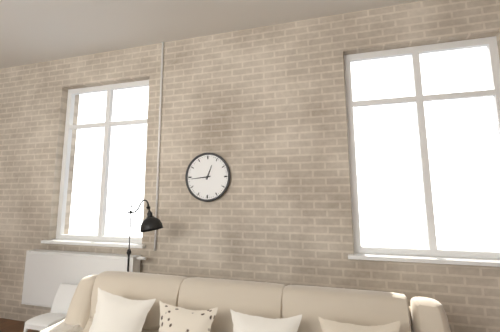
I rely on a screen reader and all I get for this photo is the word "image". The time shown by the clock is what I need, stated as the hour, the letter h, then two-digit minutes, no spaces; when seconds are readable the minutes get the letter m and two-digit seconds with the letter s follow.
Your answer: 12h44
